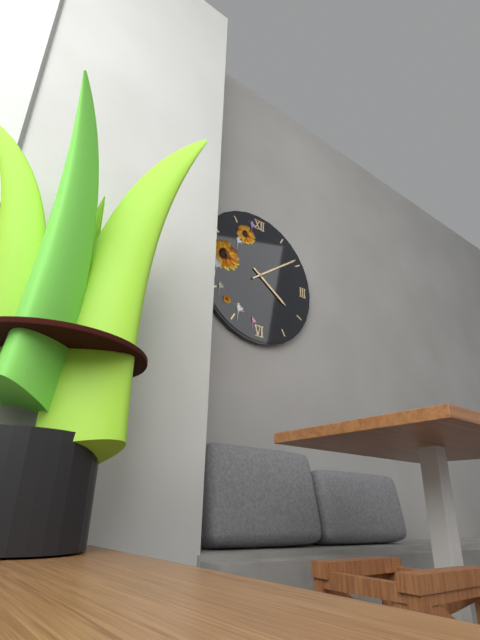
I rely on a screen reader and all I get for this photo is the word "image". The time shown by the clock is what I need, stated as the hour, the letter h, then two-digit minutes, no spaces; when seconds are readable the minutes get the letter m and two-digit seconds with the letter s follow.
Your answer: 4h09
